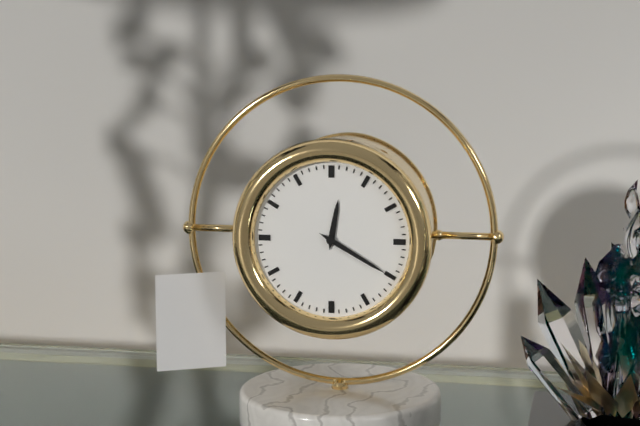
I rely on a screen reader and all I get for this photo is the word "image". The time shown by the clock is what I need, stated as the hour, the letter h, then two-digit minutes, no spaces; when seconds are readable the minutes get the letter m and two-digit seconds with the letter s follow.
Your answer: 12h20
